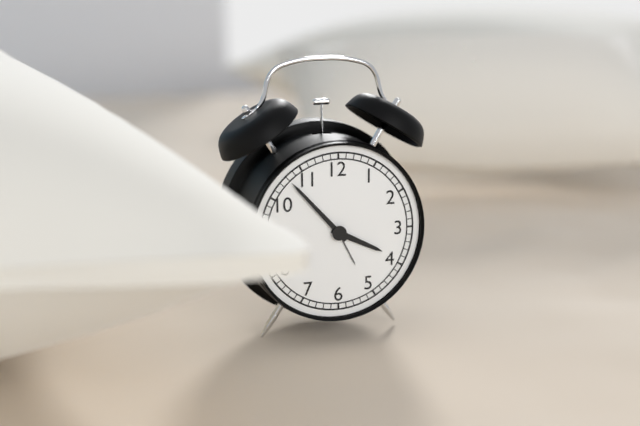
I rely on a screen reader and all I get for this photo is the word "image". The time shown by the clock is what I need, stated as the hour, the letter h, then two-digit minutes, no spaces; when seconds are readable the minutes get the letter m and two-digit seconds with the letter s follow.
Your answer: 3h53
